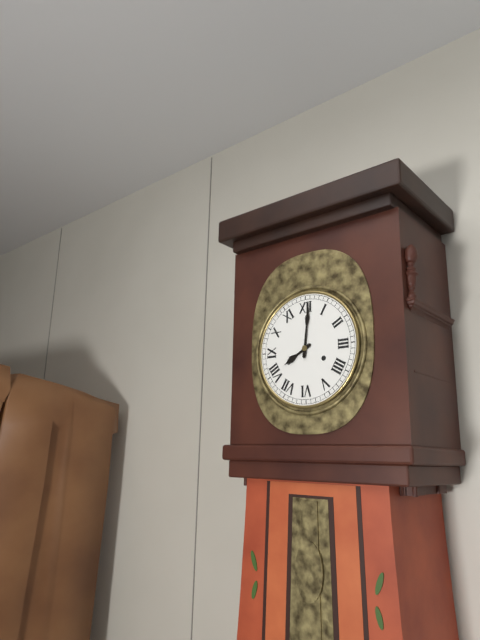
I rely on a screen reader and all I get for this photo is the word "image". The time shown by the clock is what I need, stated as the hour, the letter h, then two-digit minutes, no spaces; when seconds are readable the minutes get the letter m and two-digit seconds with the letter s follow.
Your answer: 8h01
